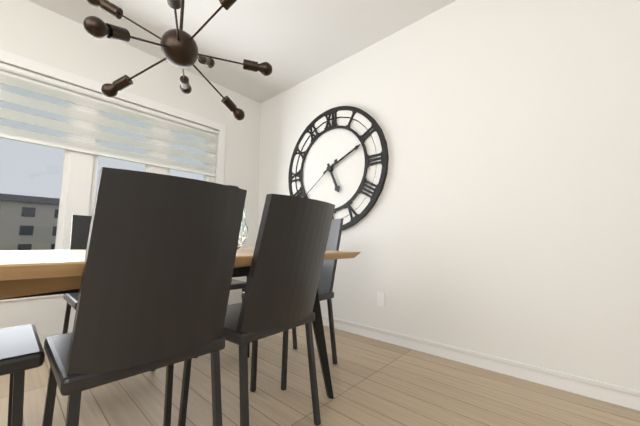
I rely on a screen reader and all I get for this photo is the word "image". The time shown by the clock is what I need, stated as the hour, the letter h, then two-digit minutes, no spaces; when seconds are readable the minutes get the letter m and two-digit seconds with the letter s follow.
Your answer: 5h11m39s
